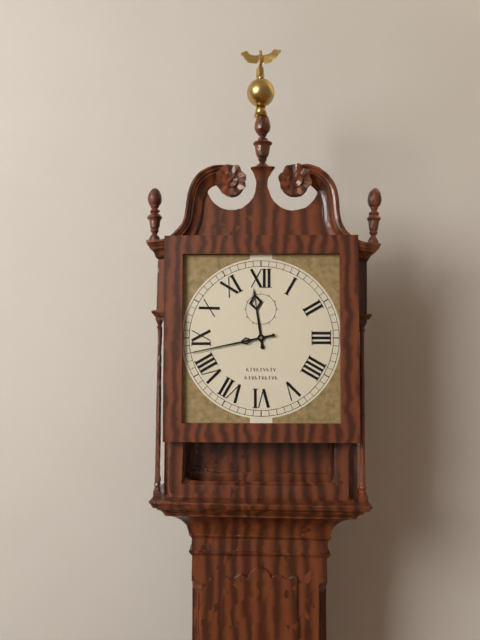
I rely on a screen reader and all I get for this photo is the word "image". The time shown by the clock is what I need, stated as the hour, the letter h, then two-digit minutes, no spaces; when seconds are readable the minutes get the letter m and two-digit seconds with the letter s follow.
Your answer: 11h43
